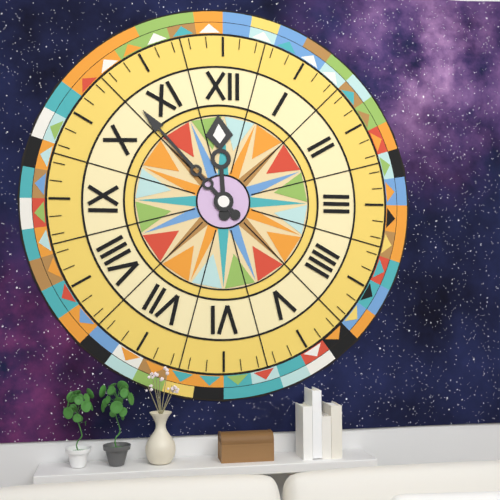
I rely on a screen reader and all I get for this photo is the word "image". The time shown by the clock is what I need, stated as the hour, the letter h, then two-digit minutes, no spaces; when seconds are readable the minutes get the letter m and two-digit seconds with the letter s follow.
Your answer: 11h53
